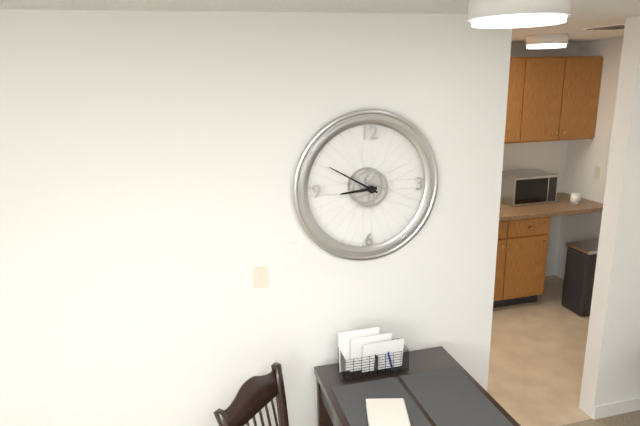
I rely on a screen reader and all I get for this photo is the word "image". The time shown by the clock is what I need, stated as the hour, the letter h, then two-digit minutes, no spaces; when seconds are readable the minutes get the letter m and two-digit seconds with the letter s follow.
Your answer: 8h50
